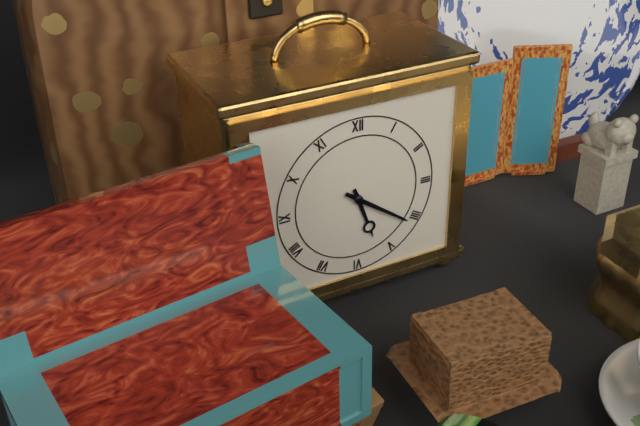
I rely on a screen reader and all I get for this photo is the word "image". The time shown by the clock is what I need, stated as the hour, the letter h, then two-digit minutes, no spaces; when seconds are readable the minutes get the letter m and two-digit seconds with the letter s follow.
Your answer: 5h21
